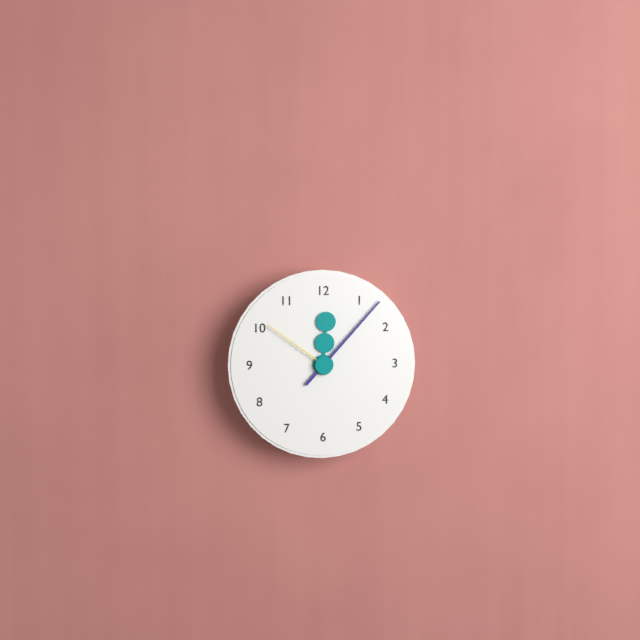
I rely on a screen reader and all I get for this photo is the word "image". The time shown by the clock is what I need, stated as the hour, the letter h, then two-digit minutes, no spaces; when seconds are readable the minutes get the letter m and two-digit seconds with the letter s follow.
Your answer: 12h07m51s
